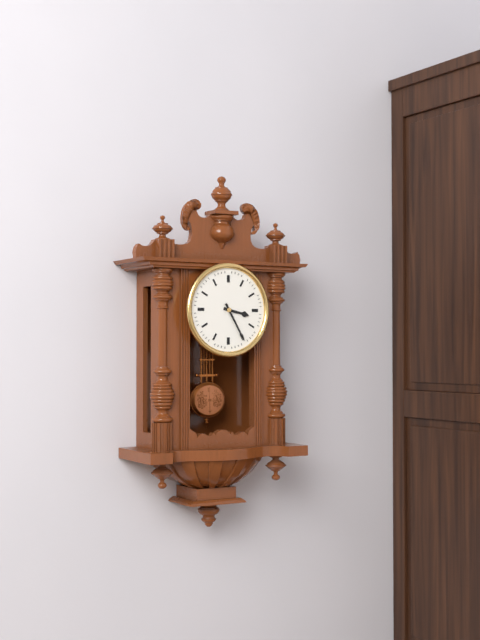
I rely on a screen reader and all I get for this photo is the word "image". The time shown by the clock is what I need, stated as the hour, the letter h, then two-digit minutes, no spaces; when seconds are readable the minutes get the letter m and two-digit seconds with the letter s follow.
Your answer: 3h25
